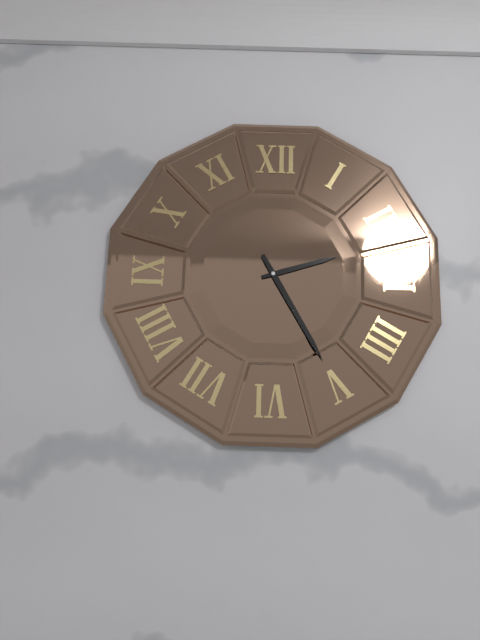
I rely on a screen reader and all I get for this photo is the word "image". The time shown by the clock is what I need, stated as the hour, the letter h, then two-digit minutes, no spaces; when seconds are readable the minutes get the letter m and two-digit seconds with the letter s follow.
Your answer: 2h25
